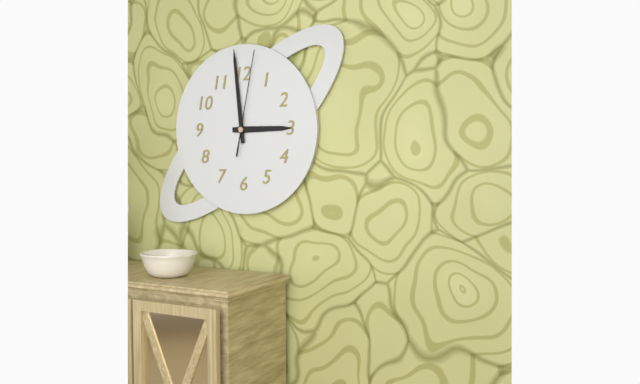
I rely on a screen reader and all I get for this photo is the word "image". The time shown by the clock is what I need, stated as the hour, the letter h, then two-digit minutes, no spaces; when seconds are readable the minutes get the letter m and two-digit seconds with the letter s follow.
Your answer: 2h59m02s
